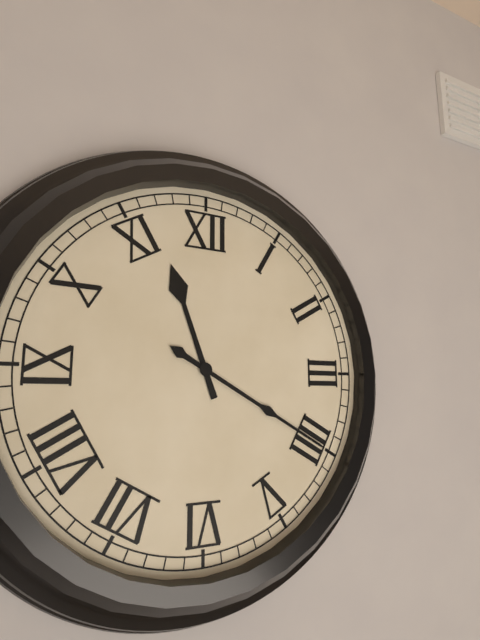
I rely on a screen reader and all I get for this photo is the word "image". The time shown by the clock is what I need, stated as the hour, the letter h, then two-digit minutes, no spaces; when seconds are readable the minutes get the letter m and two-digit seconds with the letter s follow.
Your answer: 11h20
